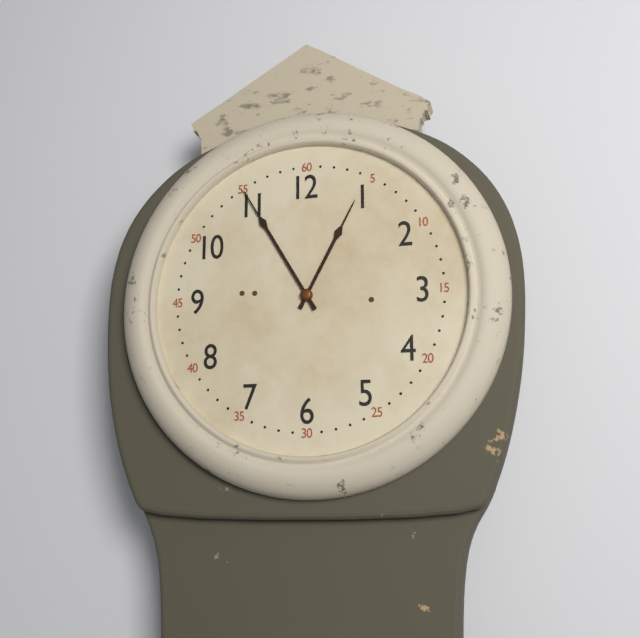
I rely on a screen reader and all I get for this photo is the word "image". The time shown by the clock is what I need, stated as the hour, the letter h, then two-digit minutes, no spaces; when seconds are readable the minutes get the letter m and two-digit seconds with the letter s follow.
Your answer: 12h55
